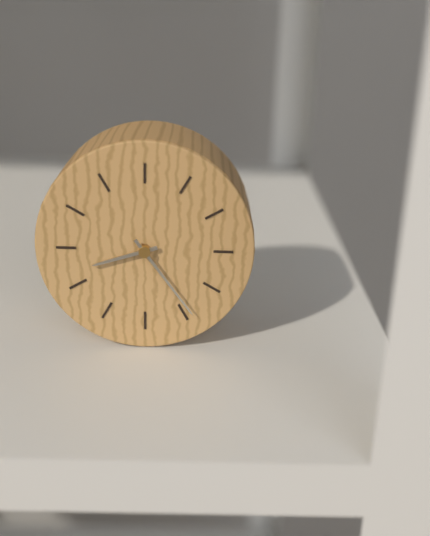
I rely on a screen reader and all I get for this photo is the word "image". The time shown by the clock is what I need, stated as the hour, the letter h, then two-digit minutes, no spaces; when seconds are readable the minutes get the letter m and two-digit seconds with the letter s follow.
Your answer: 8h24
